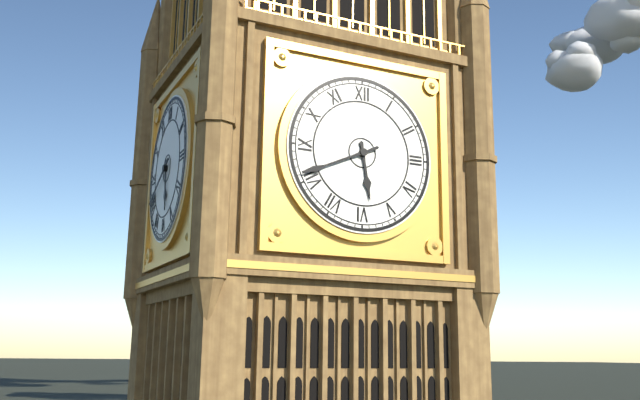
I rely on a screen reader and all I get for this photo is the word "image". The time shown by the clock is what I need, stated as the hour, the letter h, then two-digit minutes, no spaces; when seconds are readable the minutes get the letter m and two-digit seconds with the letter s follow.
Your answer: 5h41
